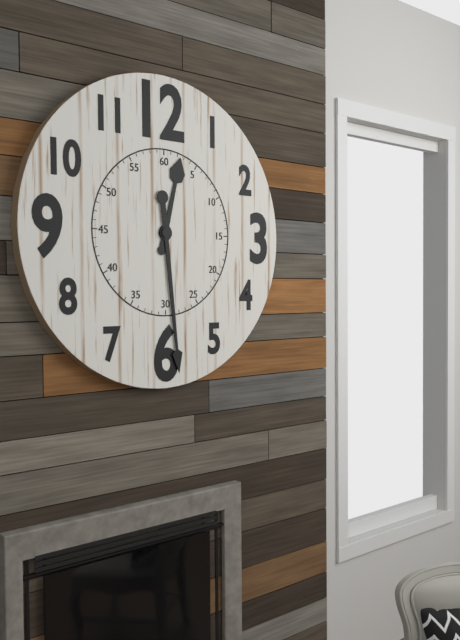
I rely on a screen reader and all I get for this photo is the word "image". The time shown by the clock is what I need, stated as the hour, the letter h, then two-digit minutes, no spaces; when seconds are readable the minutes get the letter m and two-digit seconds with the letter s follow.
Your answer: 12h29
